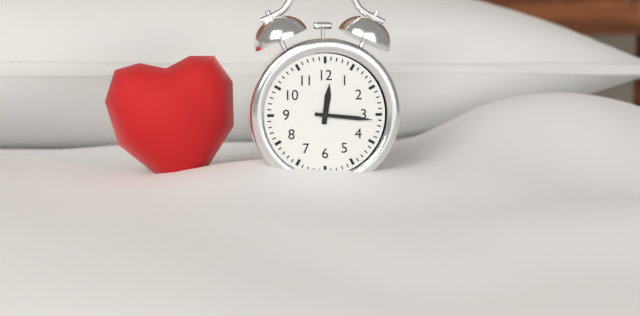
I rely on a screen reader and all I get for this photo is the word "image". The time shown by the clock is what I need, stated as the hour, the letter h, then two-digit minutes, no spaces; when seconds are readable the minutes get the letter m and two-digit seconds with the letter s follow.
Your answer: 12h16
